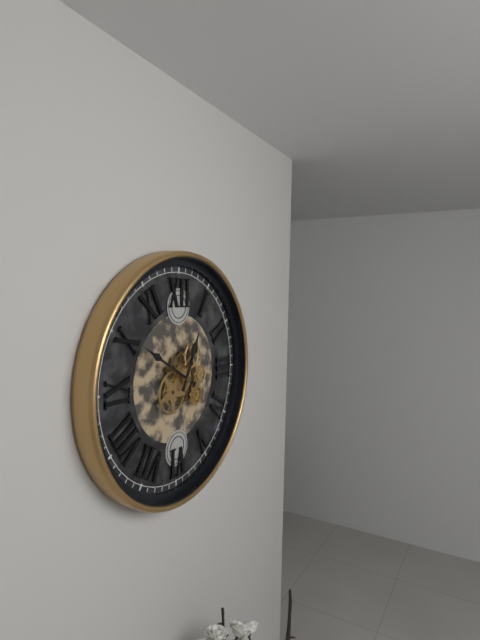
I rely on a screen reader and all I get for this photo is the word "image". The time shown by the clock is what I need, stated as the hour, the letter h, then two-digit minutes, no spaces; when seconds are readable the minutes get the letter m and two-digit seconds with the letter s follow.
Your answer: 12h50
